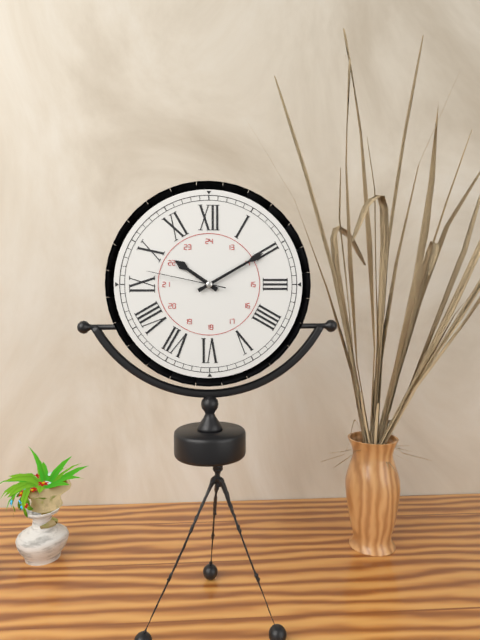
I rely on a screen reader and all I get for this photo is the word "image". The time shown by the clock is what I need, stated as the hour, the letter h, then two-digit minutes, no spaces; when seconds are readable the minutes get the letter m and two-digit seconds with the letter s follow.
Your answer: 10h10m47s
